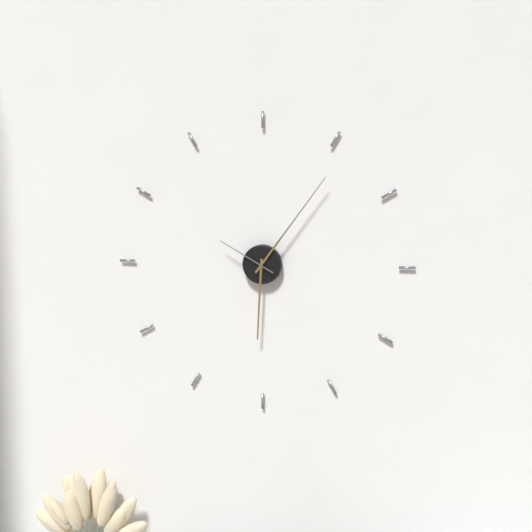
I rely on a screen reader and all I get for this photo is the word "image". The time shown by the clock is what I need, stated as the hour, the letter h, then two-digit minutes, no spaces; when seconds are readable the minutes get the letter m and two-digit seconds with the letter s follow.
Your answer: 6h06m50s
